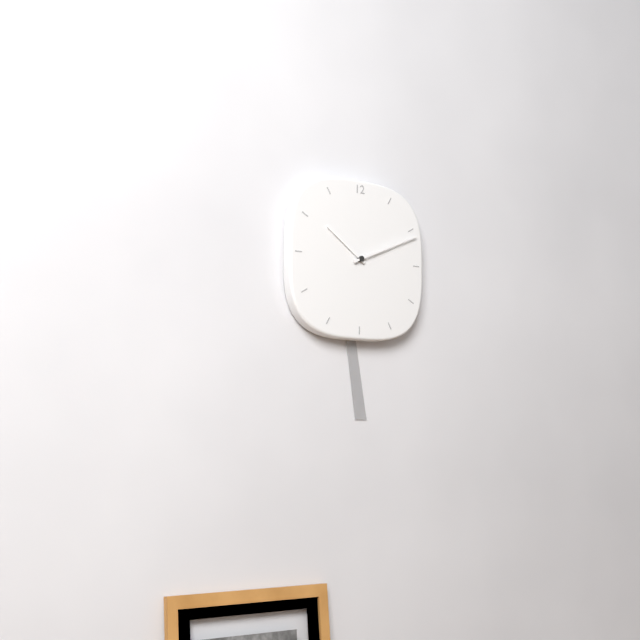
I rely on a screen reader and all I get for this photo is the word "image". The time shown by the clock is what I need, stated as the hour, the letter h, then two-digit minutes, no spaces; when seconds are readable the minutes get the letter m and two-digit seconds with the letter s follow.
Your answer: 10h11
